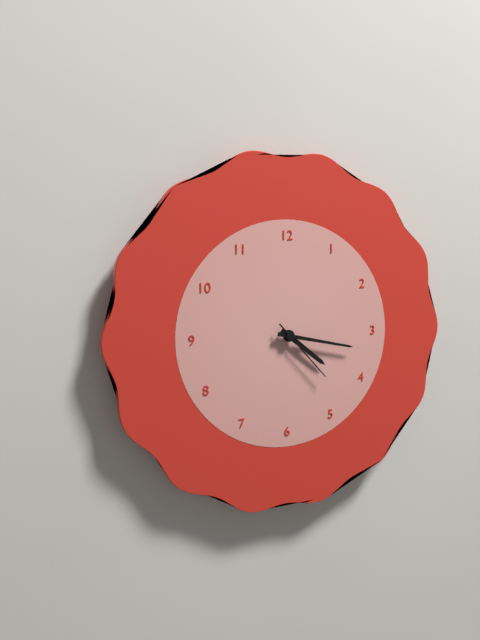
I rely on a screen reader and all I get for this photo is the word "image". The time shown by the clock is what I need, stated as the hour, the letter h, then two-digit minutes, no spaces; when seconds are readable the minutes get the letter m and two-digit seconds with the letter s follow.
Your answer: 4h17m23s
